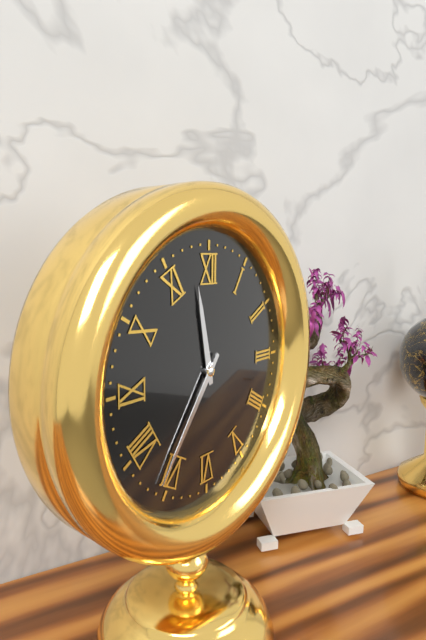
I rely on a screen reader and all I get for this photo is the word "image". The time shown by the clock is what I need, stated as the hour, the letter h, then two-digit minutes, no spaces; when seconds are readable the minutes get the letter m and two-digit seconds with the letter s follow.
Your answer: 11h36
